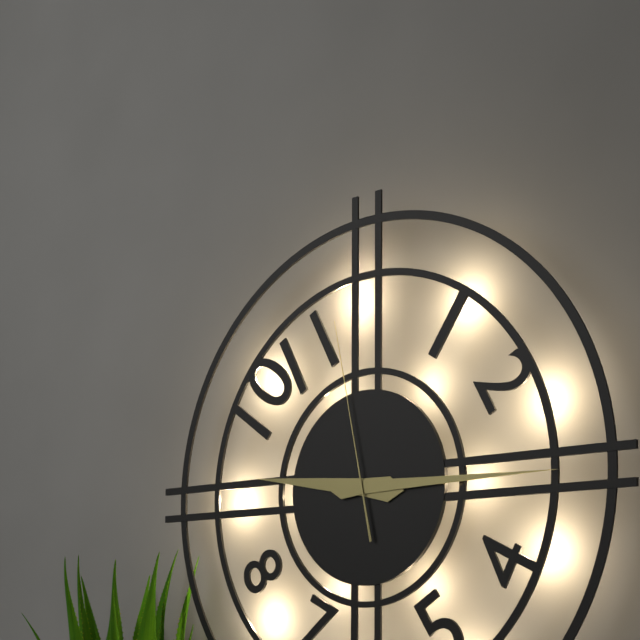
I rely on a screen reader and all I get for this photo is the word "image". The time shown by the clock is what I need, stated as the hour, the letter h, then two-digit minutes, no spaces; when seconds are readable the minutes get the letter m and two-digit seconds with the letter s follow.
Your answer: 9h15m58s
